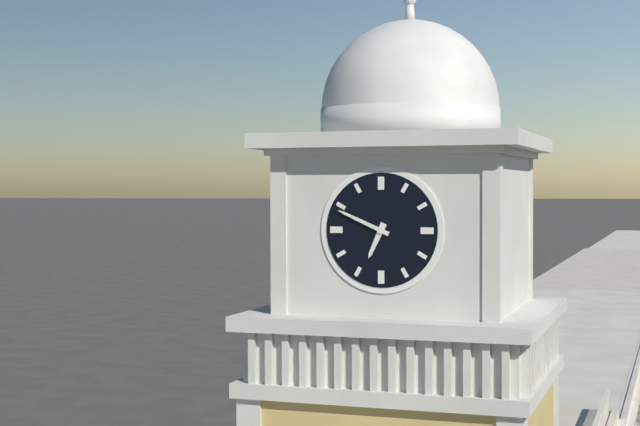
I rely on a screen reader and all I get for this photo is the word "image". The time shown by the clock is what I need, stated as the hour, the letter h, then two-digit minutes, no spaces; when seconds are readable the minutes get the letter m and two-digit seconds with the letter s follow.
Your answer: 6h49
